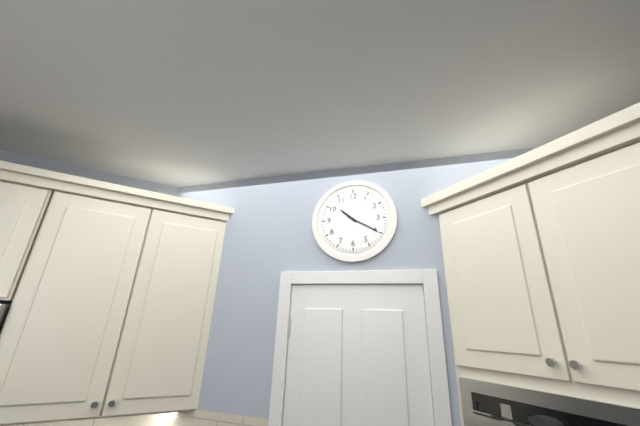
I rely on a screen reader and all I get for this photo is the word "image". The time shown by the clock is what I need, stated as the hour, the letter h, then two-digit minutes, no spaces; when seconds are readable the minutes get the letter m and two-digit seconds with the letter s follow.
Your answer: 10h20
